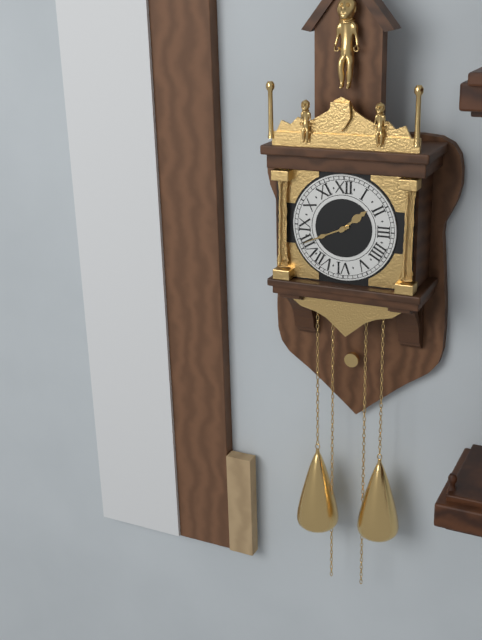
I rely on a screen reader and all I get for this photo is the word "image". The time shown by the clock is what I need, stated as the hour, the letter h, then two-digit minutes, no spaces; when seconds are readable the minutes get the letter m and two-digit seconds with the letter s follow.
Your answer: 1h41
